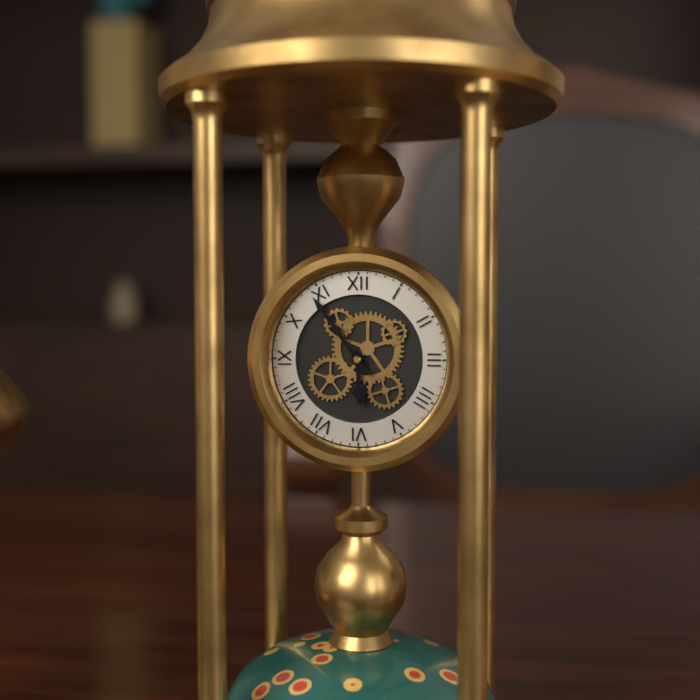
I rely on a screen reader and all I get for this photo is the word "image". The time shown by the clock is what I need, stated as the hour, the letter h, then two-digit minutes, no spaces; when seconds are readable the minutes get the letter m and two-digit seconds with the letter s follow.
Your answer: 5h54
